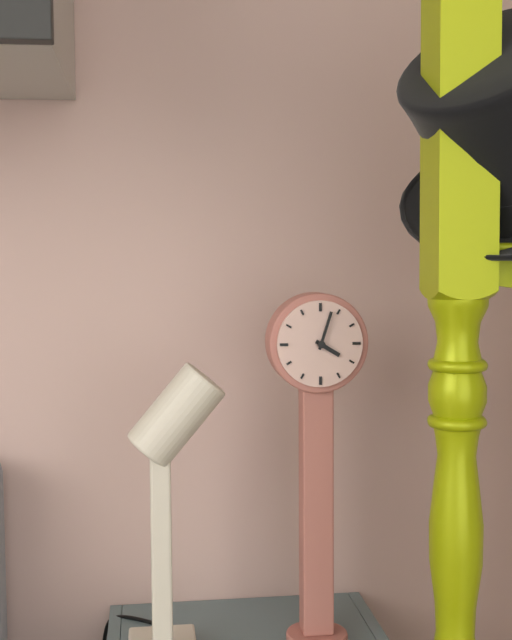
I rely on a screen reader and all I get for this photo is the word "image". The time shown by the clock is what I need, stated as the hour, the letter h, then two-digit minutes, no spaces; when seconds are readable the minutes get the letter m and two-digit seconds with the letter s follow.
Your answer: 4h03
